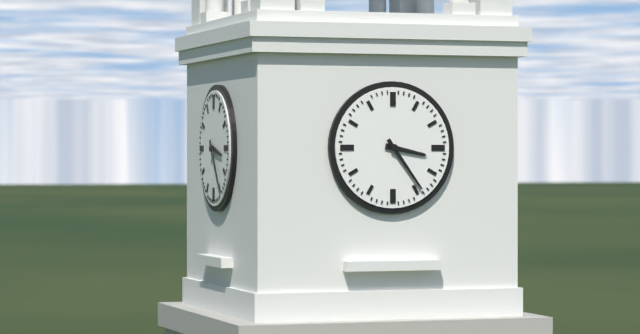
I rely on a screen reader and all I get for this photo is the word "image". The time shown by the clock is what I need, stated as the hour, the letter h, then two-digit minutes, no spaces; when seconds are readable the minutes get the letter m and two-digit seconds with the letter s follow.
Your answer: 3h24
